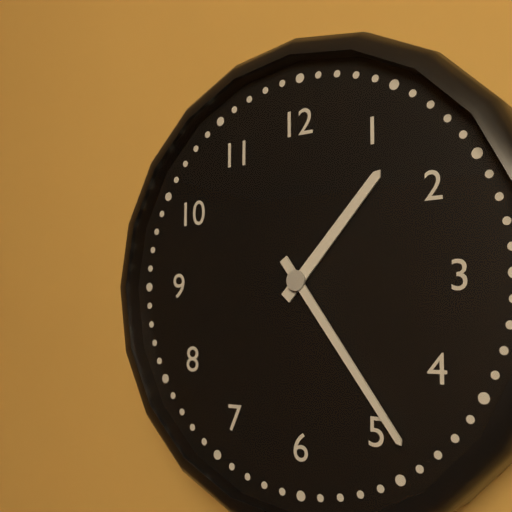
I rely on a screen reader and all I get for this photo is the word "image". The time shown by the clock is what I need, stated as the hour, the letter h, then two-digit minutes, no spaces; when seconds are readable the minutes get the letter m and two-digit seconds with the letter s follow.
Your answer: 1h24
